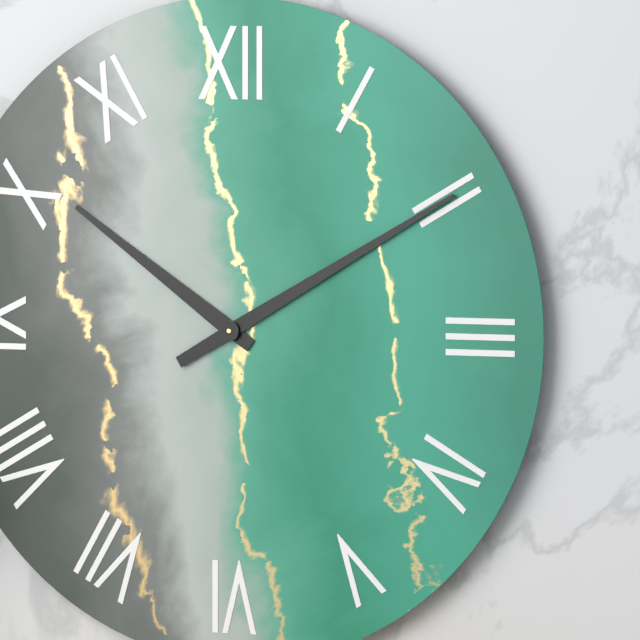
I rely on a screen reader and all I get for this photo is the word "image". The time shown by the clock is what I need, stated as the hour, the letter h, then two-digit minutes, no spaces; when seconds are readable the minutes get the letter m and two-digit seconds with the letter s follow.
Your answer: 10h10
